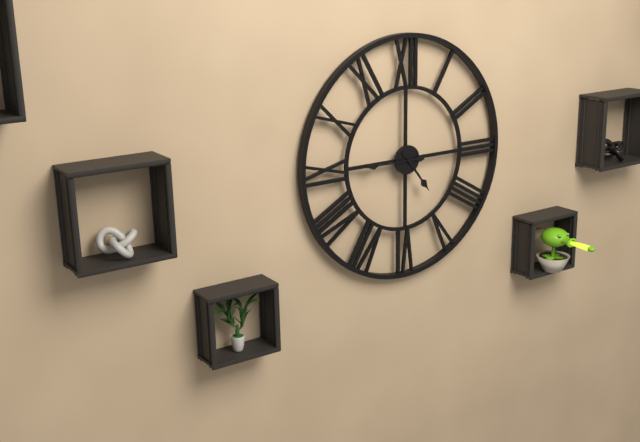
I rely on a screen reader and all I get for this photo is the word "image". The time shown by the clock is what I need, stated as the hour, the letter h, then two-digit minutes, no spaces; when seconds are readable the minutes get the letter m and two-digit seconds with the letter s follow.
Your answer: 4h45
